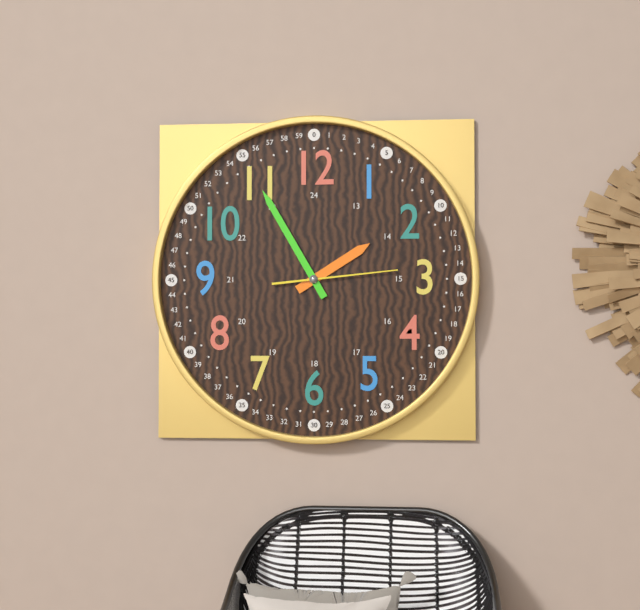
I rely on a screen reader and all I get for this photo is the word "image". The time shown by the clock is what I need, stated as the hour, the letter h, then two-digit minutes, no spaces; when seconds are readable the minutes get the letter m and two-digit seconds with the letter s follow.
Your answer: 1h55m14s
